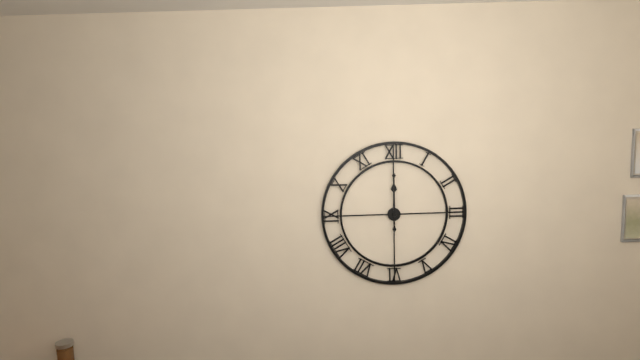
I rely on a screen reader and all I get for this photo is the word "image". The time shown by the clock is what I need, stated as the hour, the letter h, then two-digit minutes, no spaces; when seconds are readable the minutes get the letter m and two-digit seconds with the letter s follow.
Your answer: 12h00
